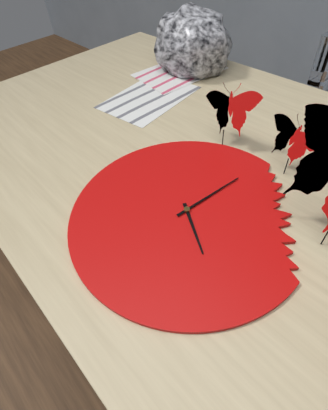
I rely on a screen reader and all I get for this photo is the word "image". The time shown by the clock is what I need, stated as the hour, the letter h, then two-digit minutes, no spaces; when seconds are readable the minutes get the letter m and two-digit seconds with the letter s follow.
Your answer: 4h01
